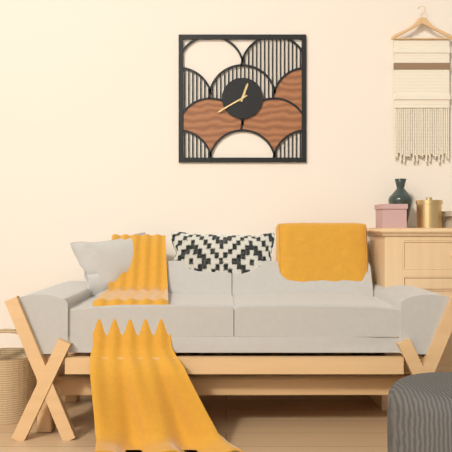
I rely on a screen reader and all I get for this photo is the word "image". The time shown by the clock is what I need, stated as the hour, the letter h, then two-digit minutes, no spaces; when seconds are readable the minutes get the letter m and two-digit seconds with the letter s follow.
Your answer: 12h40
